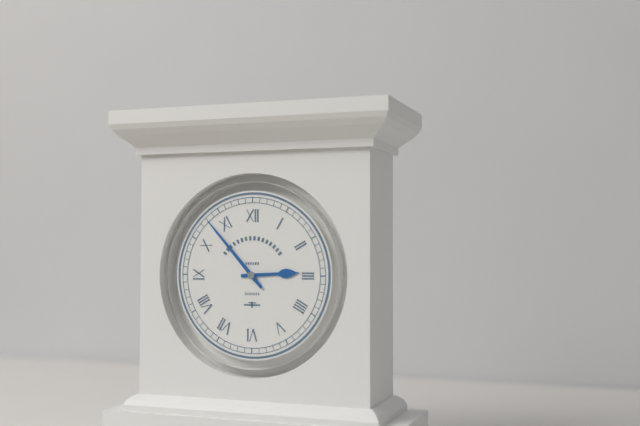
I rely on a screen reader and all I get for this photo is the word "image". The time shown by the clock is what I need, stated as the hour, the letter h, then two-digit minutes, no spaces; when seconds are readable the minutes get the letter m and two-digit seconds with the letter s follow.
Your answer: 2h53
